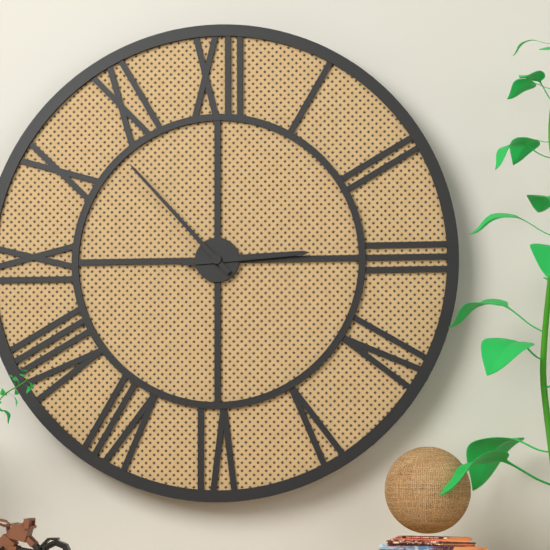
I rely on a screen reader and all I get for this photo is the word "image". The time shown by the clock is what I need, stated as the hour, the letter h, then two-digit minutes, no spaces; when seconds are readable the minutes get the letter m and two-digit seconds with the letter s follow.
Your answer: 2h53
